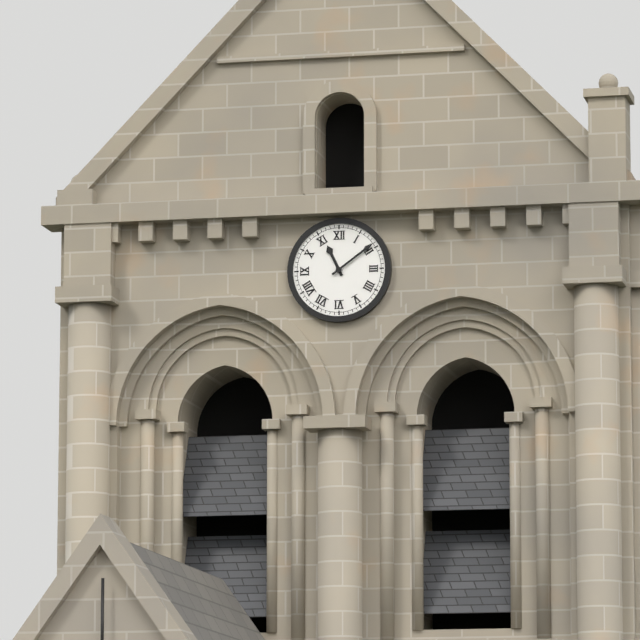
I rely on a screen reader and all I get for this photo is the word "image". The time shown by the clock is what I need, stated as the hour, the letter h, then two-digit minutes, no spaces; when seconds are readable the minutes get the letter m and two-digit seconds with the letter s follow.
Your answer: 11h09
